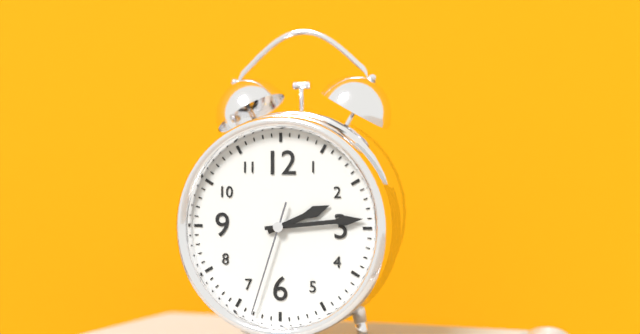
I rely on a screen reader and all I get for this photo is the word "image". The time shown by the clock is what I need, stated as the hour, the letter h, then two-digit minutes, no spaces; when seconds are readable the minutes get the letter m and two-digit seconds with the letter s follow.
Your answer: 2h14m33s
